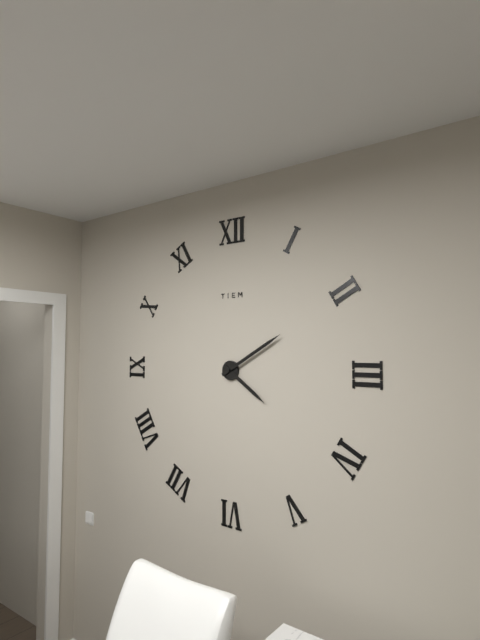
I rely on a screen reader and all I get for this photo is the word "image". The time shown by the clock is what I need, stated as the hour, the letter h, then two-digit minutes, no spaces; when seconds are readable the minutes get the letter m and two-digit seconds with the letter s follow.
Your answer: 4h10
